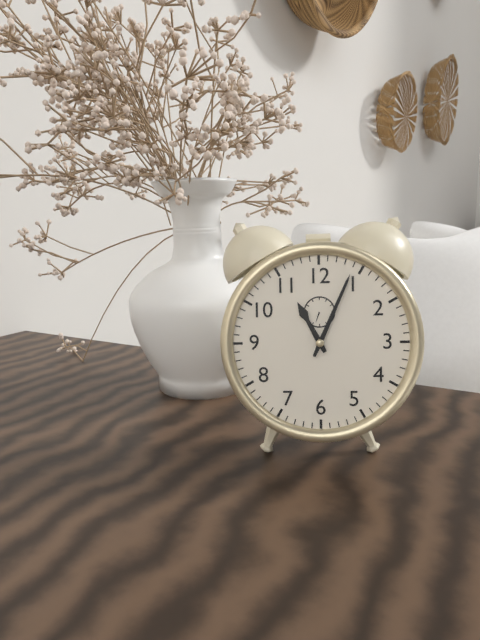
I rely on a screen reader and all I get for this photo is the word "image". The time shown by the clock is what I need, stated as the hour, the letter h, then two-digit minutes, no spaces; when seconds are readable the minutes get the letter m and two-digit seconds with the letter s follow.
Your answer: 11h04
